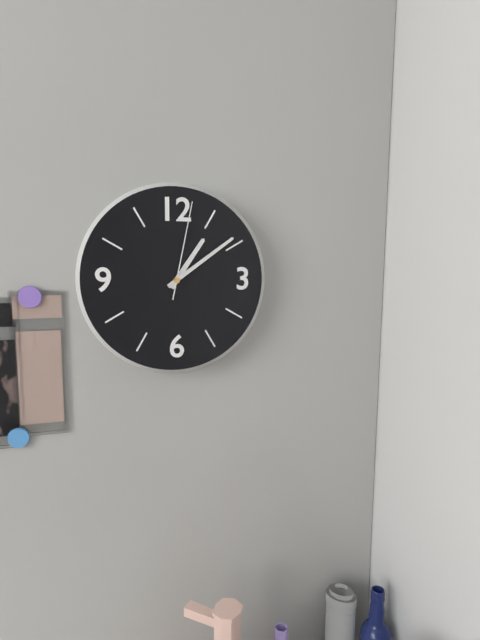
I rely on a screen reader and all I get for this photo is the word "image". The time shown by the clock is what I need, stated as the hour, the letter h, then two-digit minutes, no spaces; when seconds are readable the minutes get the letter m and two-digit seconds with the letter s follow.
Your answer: 1h09m02s
